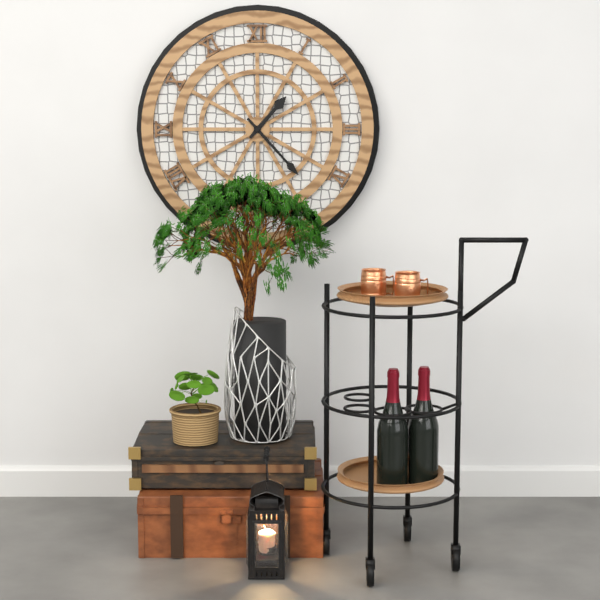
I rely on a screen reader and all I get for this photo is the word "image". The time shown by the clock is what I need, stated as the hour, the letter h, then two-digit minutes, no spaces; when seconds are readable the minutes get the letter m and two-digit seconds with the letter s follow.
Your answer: 1h23
